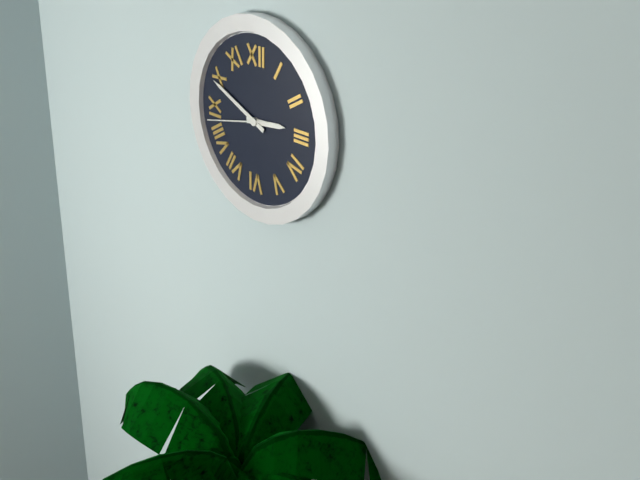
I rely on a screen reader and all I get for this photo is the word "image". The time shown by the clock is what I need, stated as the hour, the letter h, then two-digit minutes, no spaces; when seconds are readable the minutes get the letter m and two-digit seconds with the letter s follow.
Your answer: 2h49m43s
